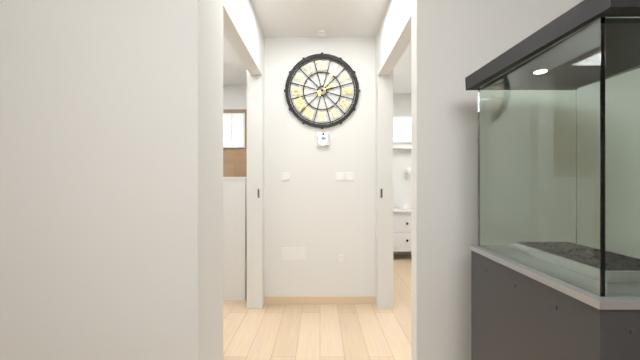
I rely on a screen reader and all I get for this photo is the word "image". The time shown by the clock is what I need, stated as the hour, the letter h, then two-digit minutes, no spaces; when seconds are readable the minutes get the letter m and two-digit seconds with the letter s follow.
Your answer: 2h05
